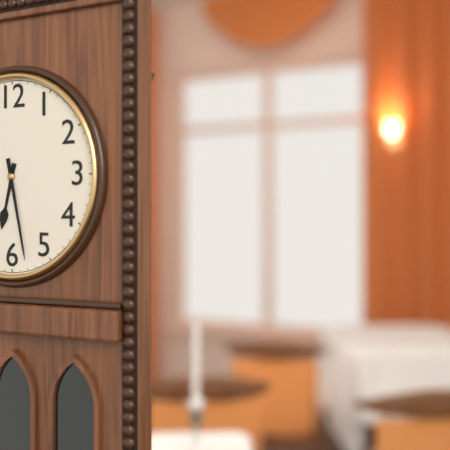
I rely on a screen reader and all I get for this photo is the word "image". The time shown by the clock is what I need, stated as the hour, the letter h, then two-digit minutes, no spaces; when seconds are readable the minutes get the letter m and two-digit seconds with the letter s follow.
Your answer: 6h28
